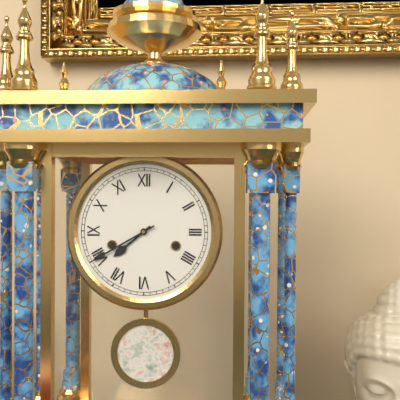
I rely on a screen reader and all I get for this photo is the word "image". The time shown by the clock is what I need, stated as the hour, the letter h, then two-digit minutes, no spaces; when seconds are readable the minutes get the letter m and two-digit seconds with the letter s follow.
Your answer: 7h40
